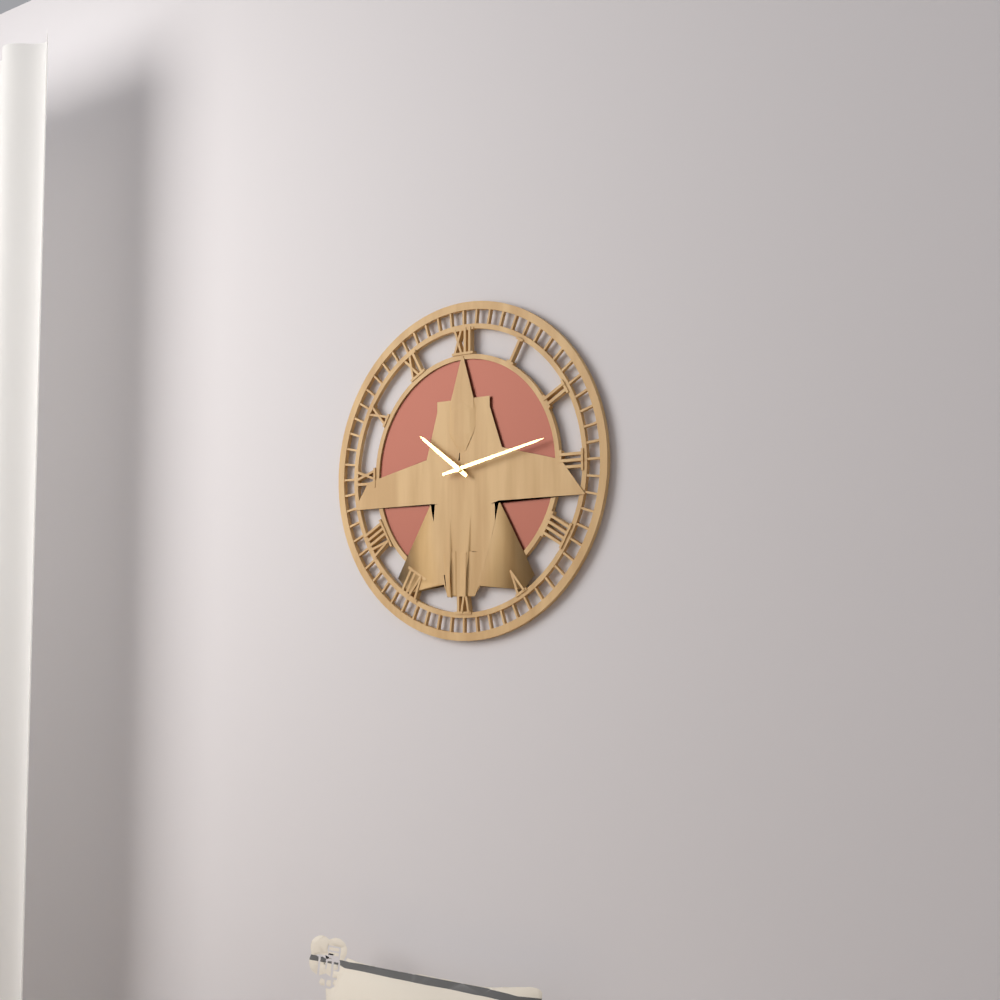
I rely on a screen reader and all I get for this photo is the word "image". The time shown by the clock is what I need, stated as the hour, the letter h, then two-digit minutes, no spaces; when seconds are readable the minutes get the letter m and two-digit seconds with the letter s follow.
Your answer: 10h13
